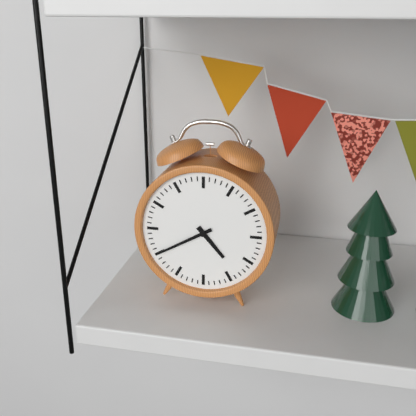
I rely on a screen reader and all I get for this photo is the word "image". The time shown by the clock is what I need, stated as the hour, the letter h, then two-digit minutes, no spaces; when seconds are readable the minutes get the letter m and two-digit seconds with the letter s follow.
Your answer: 4h40
